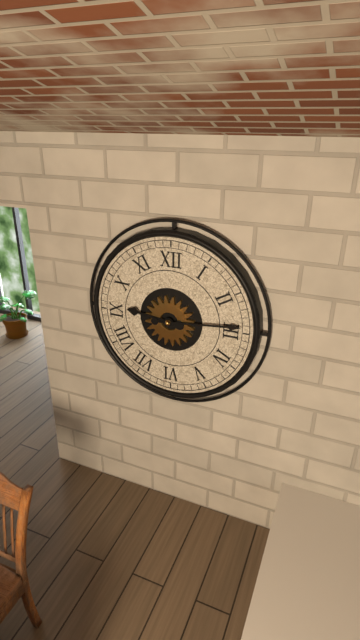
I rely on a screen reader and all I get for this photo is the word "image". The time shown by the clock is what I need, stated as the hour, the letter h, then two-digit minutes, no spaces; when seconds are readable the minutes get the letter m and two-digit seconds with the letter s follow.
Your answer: 9h14
